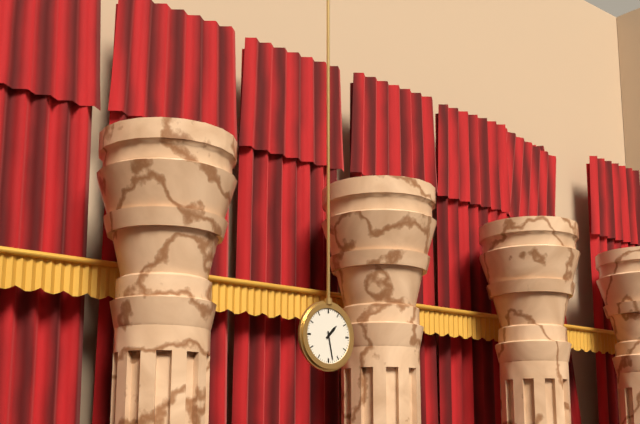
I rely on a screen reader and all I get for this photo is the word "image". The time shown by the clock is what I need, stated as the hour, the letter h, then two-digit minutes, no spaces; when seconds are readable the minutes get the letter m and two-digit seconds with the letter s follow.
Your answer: 1h28
